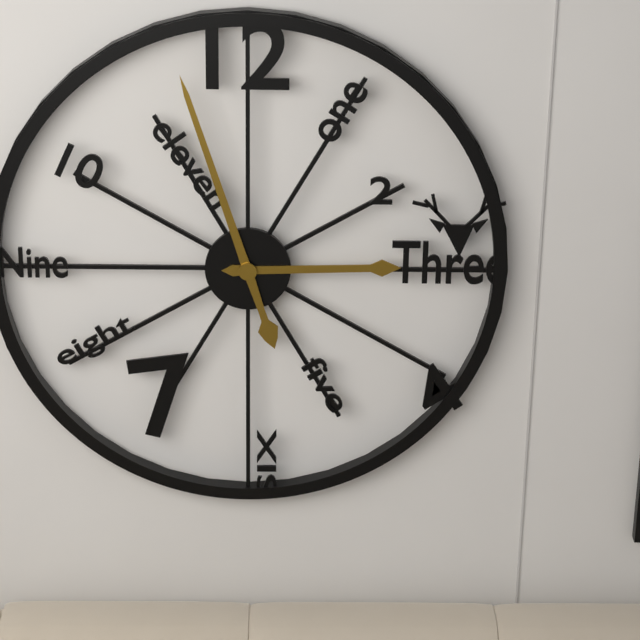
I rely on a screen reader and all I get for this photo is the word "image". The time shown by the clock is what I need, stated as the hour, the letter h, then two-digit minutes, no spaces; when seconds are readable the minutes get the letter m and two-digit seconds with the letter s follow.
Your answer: 2h57
